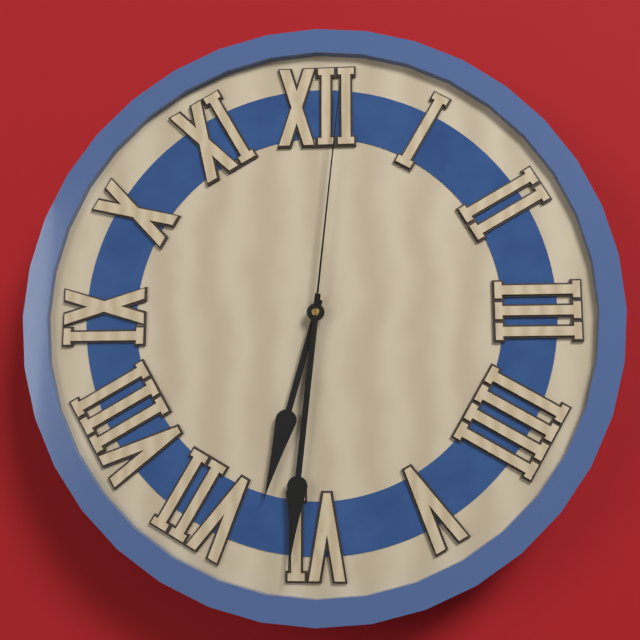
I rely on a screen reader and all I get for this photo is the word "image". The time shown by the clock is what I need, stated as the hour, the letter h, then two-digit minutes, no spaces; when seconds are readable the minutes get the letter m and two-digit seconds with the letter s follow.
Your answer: 6h31m01s
